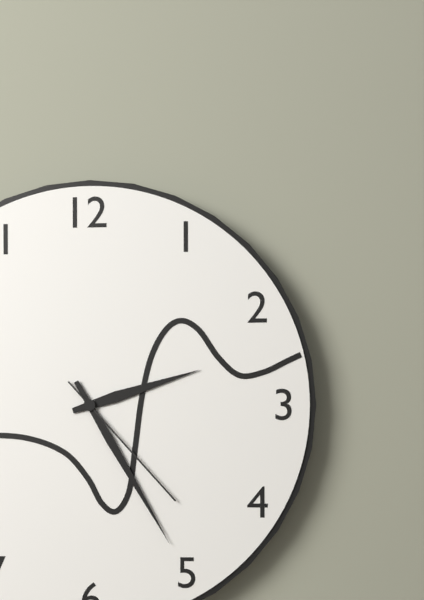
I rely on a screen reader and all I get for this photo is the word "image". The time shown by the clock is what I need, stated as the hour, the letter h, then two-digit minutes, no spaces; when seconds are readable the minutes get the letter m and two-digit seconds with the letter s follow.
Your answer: 2h25m23s
